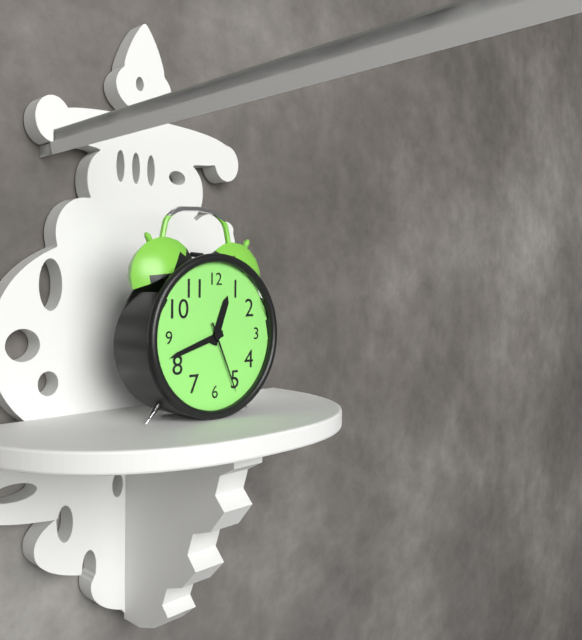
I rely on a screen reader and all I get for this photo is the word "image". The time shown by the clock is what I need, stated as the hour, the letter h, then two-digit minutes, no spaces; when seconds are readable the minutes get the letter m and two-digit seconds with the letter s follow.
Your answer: 12h42m26s
